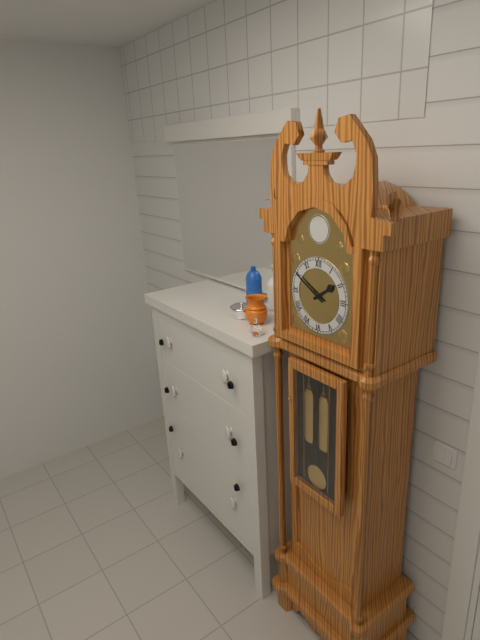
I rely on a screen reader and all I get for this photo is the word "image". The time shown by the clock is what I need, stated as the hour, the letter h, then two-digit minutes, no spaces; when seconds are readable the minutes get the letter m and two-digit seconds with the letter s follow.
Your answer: 1h50
